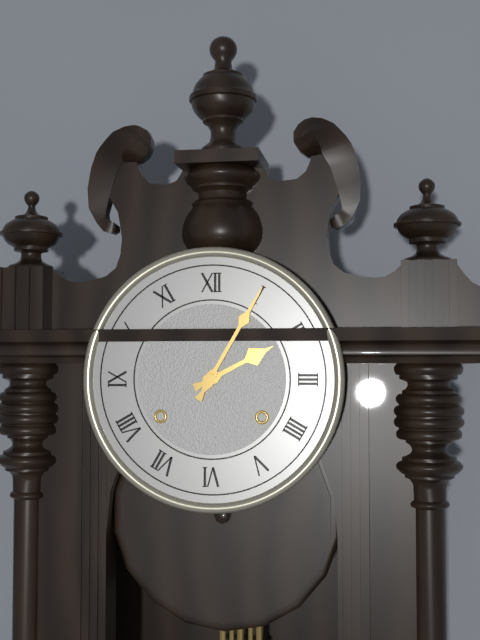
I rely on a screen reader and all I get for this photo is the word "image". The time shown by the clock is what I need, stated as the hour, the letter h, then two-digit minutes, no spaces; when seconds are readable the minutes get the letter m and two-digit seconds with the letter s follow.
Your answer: 2h05
